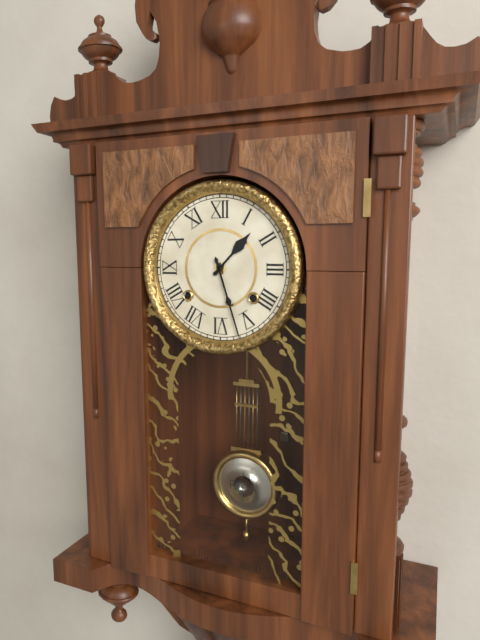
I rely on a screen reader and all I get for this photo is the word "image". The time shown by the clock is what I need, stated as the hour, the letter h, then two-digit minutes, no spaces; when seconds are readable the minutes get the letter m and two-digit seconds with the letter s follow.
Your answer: 1h27
